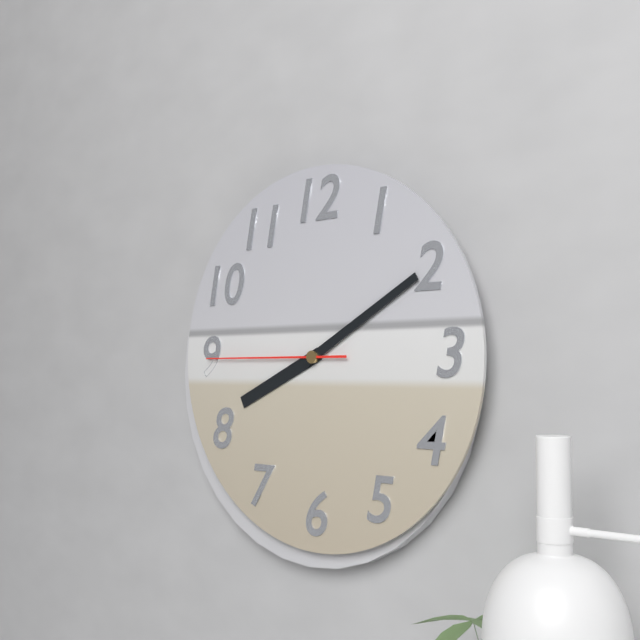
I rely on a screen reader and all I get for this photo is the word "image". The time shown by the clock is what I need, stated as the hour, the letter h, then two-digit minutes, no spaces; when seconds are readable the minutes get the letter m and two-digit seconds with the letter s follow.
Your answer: 8h10m45s
